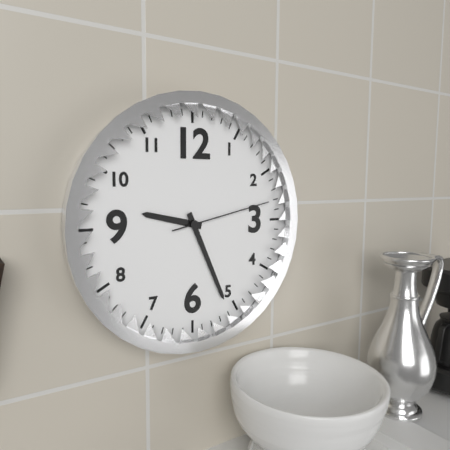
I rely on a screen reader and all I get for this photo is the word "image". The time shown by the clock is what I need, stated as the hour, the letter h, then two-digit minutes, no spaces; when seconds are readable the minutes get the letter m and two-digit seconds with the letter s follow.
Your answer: 9h26m13s
